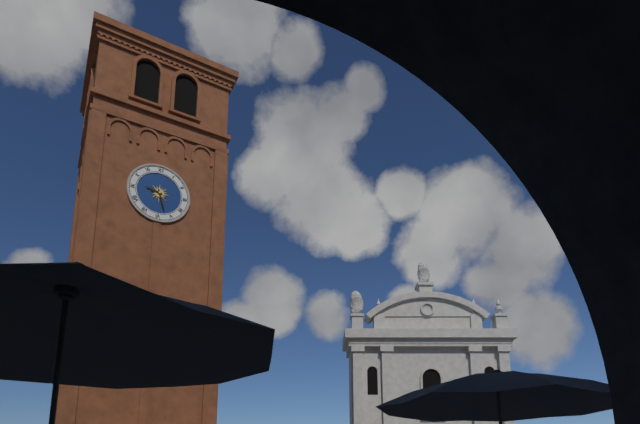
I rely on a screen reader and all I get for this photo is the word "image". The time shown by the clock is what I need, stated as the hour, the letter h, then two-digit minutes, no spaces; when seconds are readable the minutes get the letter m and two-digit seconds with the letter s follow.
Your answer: 9h27
